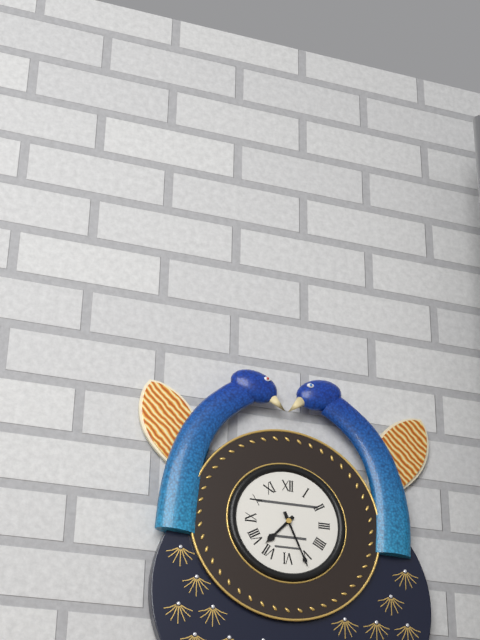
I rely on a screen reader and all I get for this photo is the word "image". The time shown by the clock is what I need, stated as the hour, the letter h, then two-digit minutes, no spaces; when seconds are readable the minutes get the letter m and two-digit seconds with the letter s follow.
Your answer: 7h26
